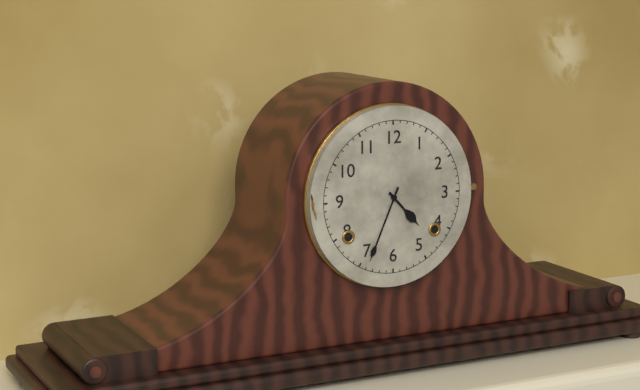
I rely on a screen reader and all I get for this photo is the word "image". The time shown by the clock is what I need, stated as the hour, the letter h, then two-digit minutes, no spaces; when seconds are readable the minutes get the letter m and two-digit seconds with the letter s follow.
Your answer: 4h34
